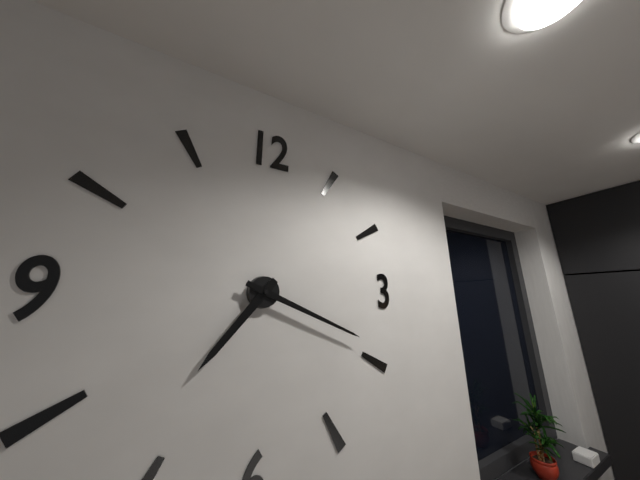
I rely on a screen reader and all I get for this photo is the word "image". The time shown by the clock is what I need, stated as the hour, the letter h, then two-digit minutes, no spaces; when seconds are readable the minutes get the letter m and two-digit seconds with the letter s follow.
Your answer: 7h19
